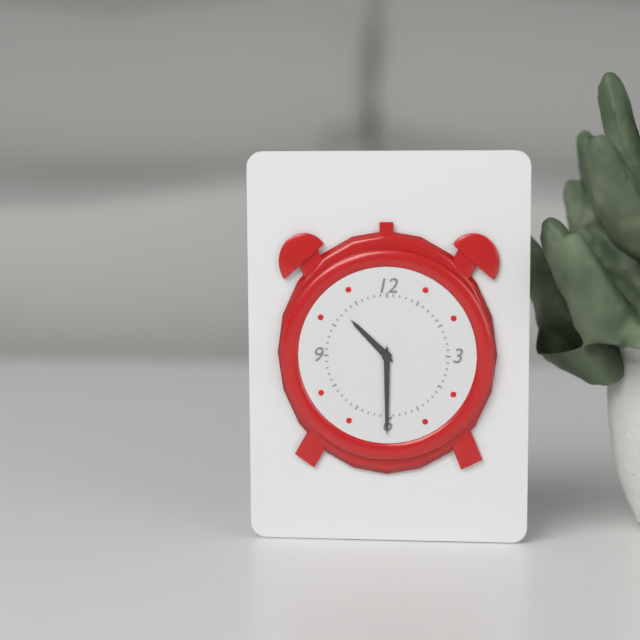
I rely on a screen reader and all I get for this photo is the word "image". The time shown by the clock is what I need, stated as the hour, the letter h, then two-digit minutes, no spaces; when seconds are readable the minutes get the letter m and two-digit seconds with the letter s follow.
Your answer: 10h30
